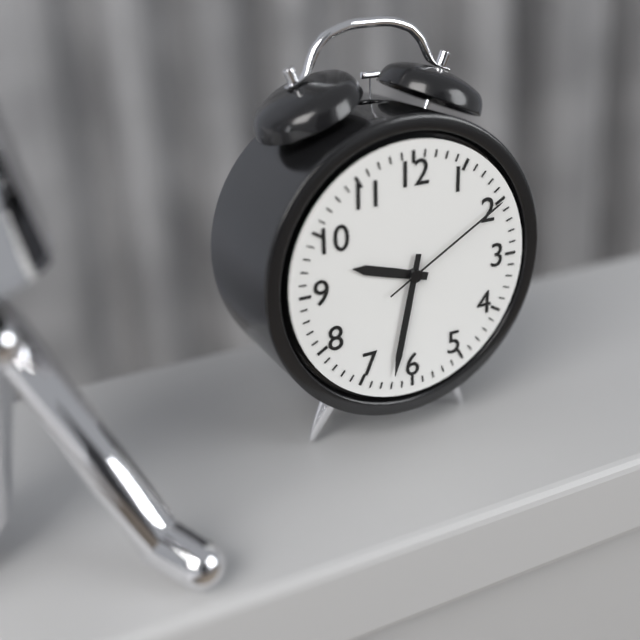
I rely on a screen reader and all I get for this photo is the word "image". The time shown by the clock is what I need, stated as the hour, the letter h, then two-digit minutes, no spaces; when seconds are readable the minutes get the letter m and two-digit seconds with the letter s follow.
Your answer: 9h32m10s
